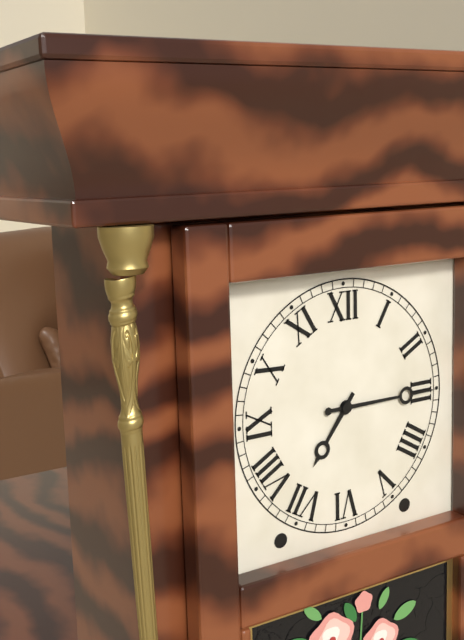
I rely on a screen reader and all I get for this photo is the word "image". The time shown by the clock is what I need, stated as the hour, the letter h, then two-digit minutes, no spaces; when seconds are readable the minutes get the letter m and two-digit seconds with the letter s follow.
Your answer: 7h15
